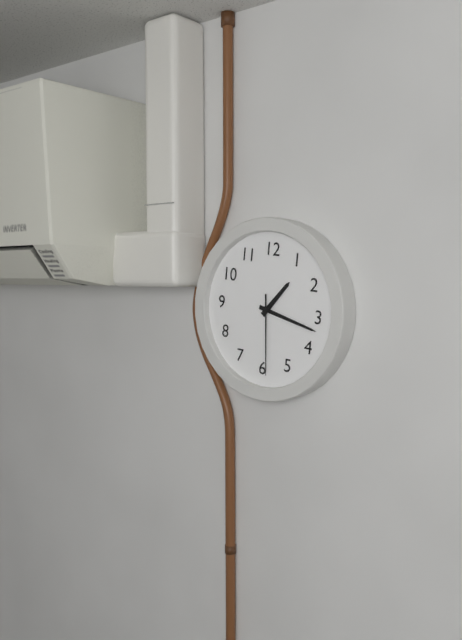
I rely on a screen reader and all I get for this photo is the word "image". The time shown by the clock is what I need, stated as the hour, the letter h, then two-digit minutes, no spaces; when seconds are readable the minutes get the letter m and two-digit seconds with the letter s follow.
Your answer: 1h17m29s
